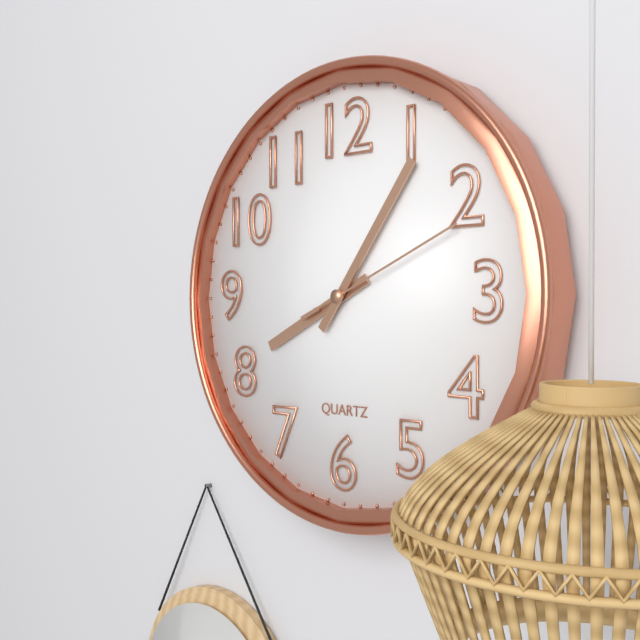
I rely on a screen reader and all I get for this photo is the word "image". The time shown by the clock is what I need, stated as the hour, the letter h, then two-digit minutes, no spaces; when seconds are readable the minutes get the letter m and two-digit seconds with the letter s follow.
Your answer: 8h06m11s
